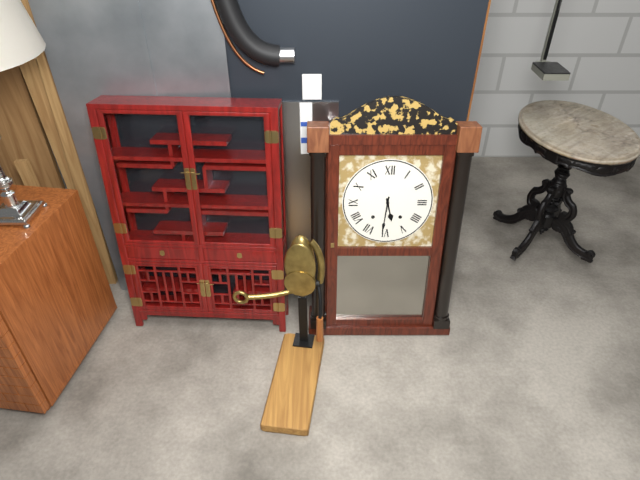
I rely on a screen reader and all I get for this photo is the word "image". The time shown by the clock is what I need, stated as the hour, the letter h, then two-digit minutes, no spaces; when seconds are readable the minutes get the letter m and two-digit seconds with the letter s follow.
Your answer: 5h31
